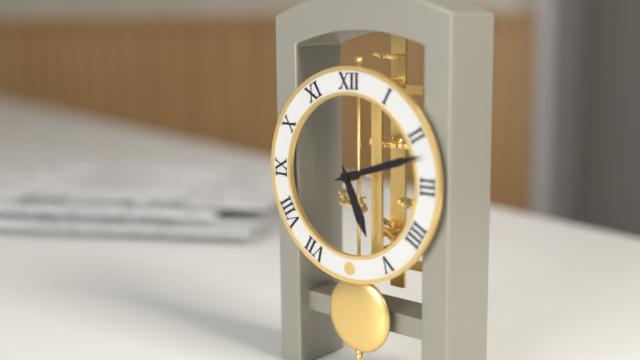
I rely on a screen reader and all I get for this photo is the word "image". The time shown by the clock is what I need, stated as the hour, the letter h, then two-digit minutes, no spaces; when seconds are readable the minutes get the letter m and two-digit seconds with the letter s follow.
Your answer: 5h12
